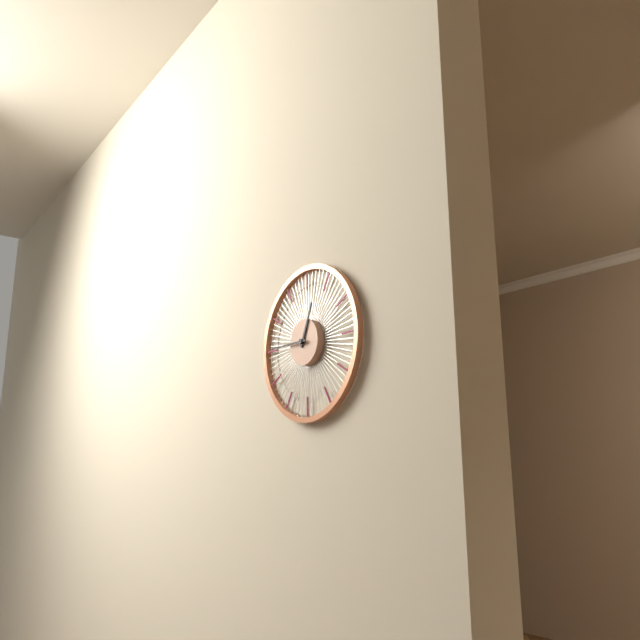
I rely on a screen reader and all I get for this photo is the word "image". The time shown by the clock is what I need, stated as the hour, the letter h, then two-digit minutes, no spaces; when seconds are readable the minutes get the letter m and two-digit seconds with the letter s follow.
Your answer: 12h45
